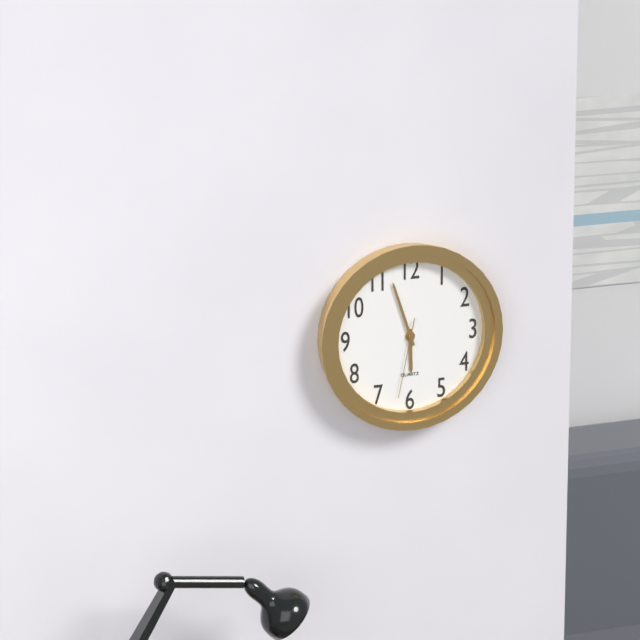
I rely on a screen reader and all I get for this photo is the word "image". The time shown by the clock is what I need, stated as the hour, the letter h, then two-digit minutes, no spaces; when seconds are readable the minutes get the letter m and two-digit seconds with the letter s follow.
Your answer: 5h57m32s
